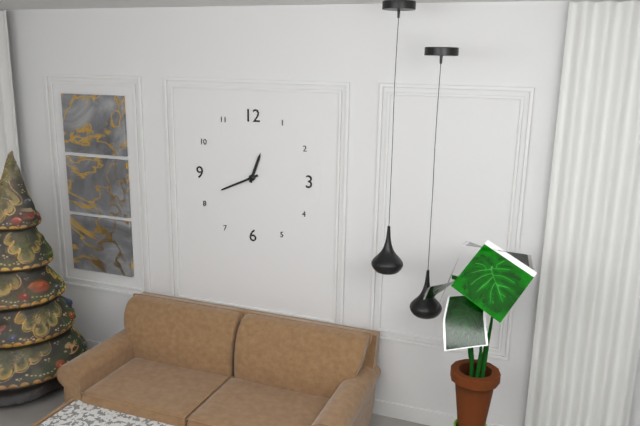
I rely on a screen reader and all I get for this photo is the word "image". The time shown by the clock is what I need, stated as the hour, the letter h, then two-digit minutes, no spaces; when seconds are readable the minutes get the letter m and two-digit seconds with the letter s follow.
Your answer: 12h41
